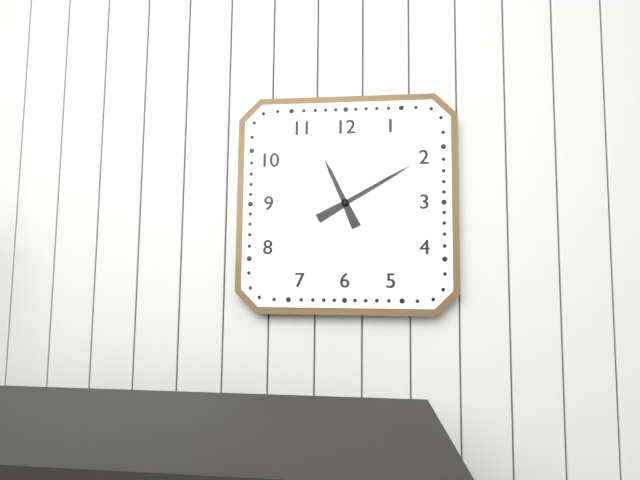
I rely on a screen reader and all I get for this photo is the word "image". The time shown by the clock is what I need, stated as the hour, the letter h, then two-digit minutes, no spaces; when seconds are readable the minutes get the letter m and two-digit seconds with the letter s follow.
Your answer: 11h10
